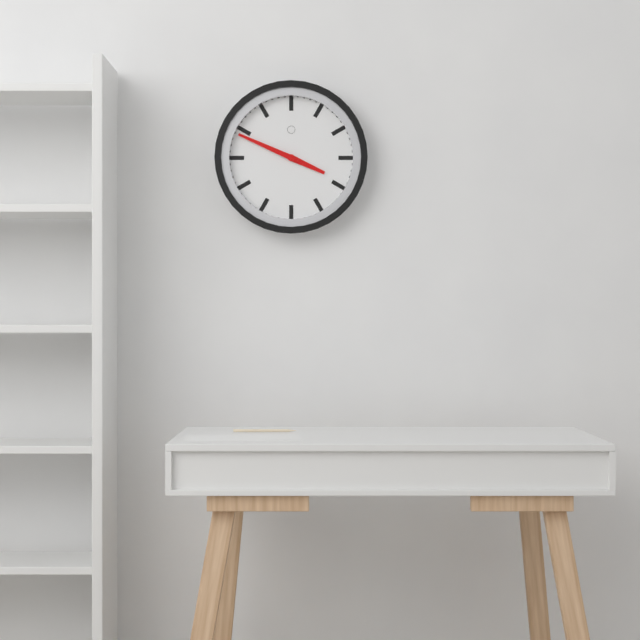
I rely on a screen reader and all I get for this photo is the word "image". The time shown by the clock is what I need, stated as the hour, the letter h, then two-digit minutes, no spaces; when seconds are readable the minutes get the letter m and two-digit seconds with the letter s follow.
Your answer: 3h49
